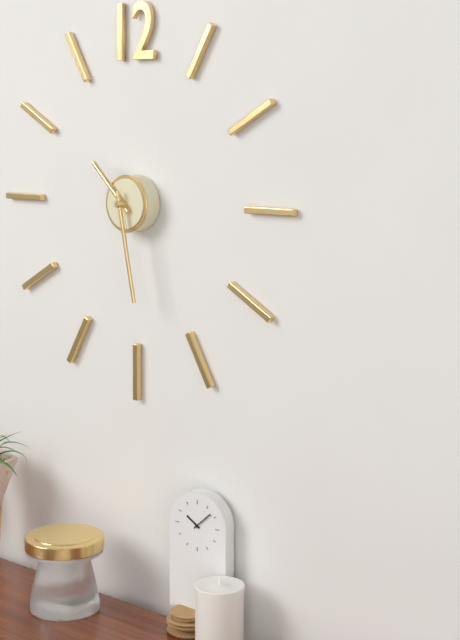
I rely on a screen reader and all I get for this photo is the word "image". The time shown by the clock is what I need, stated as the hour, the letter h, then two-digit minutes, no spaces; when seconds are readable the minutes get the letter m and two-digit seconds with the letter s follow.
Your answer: 10h28
